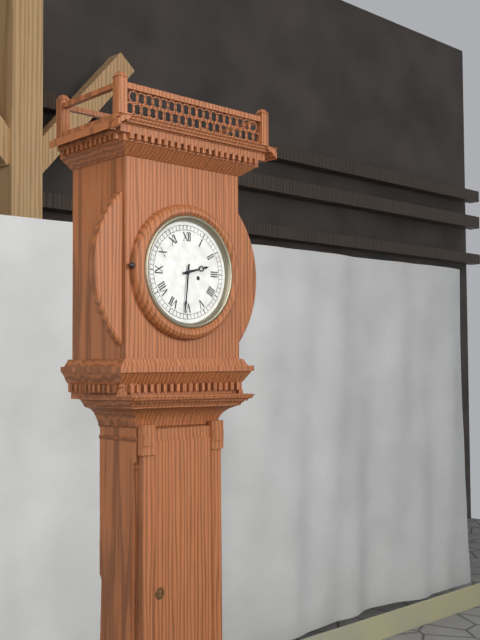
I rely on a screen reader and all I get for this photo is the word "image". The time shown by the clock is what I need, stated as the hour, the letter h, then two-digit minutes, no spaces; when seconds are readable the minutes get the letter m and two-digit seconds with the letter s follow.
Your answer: 2h31
